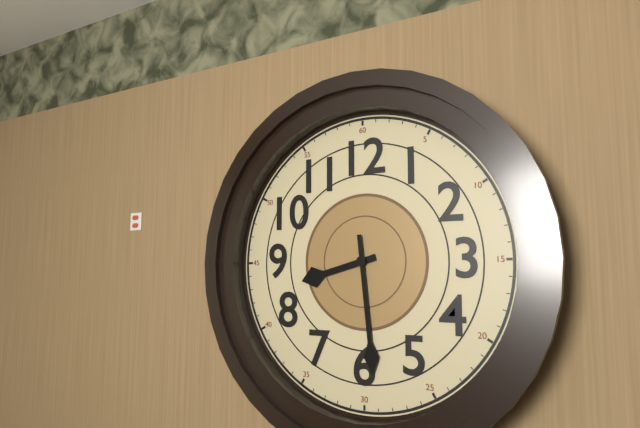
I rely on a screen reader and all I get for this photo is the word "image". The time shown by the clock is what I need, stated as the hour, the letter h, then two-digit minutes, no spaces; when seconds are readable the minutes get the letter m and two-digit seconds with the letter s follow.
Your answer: 8h29
